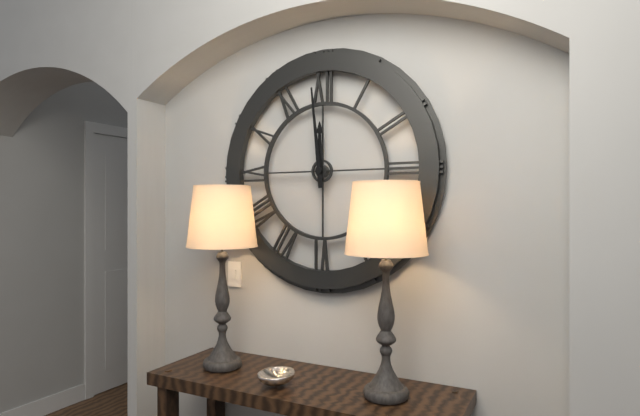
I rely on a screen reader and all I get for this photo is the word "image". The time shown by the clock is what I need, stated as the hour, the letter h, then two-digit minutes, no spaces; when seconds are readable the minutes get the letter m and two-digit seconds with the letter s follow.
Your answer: 11h59
